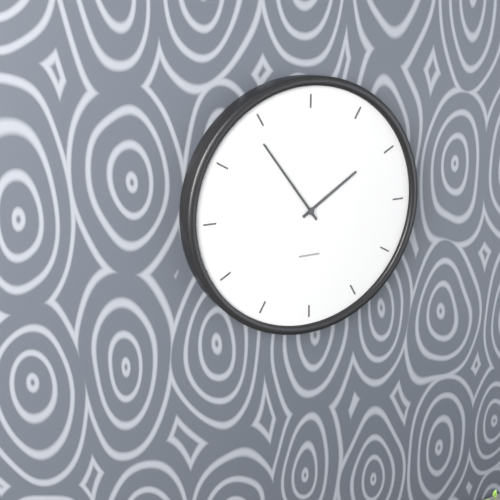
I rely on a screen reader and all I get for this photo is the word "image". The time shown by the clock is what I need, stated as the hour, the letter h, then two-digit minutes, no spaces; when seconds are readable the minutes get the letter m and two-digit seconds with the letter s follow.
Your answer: 1h54
